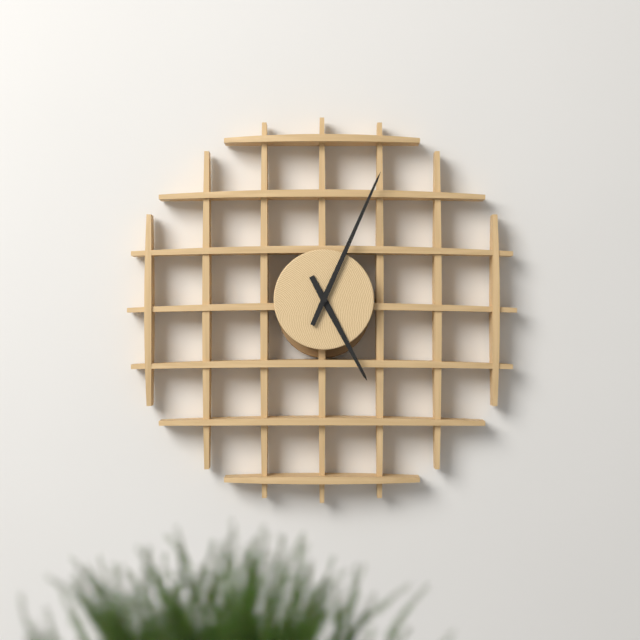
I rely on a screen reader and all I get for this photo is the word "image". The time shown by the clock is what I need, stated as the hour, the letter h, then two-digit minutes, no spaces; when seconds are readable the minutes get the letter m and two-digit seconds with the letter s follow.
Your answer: 5h04
